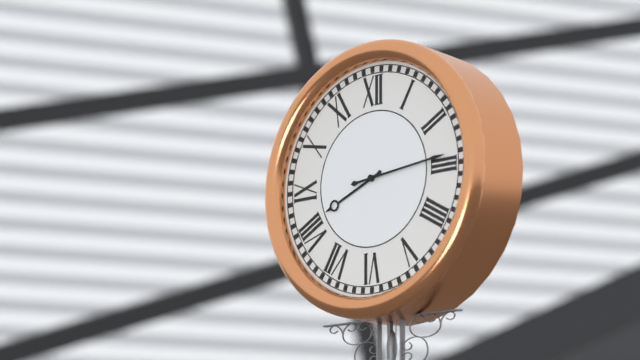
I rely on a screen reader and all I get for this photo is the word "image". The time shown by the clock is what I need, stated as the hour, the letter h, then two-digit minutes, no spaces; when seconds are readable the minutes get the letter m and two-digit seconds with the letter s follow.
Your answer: 8h14
